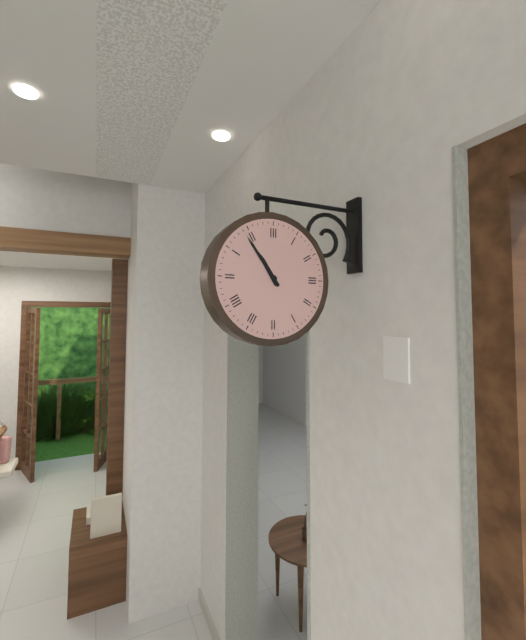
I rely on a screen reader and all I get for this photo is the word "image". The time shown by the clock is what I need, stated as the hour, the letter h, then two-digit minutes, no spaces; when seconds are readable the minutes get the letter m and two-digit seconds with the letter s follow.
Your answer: 10h54
